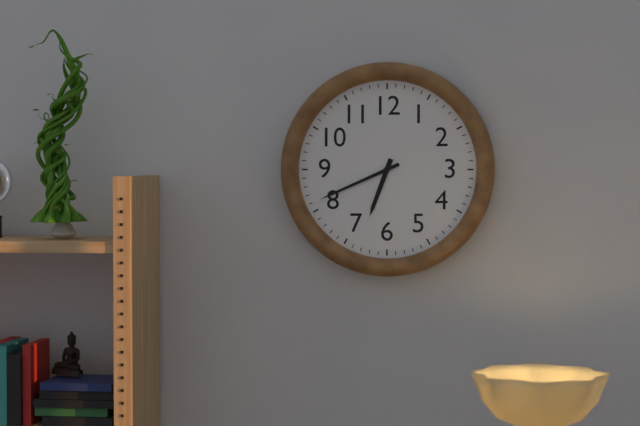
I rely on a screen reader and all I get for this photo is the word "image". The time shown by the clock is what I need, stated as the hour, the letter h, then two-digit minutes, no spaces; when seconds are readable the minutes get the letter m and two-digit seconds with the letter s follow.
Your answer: 6h41
